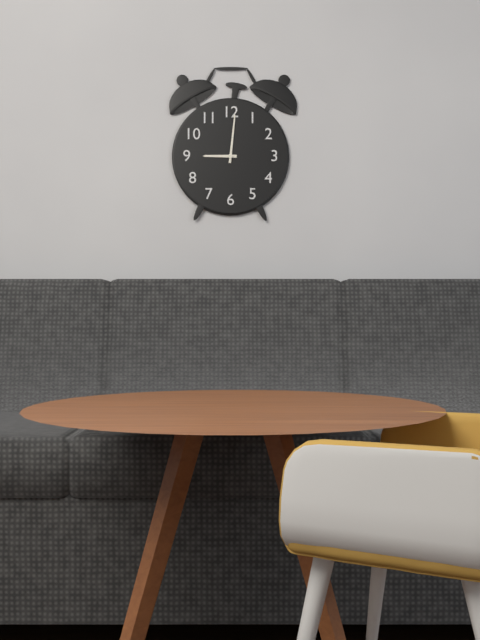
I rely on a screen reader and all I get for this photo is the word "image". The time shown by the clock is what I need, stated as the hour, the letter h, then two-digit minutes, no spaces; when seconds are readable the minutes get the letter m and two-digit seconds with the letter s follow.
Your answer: 9h01
